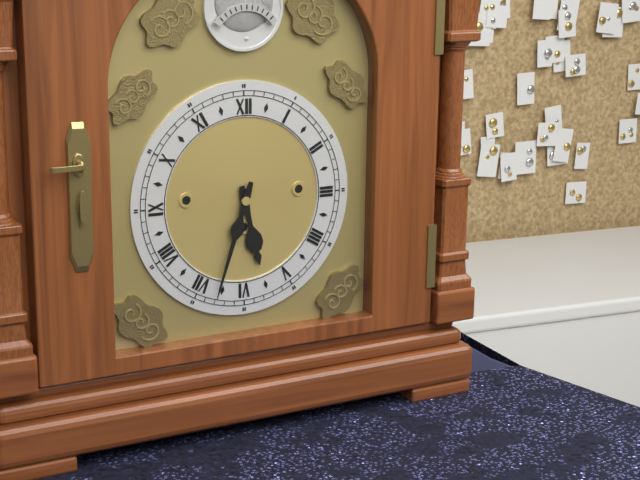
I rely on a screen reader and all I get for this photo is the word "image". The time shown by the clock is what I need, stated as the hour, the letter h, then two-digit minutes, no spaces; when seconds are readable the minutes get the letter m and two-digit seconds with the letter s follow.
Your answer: 5h33
